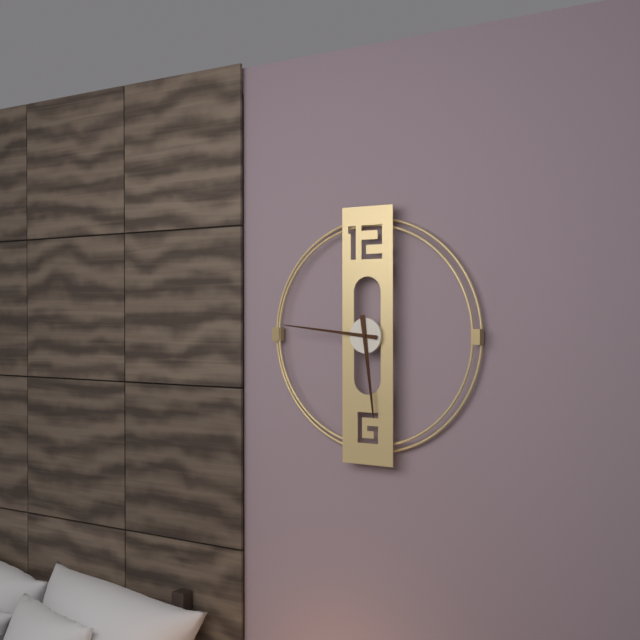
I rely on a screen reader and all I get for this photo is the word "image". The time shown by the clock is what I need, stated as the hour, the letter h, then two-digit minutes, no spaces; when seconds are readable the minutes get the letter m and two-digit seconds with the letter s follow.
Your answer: 5h46
